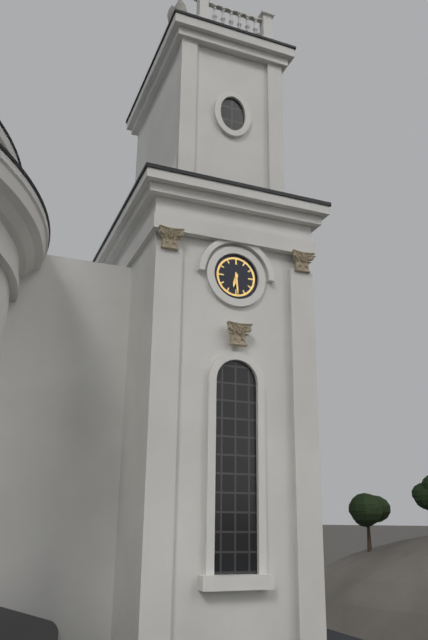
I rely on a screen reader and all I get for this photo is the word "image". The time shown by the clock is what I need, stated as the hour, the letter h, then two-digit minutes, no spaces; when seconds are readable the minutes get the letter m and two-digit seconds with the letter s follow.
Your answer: 6h29
